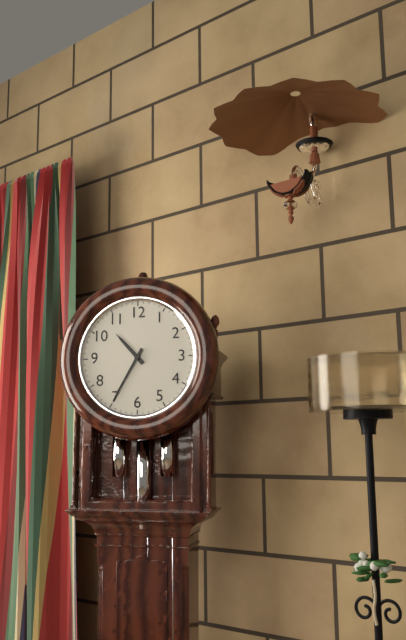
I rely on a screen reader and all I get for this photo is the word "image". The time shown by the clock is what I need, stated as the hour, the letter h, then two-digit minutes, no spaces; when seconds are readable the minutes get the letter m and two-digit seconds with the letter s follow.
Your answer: 10h35
